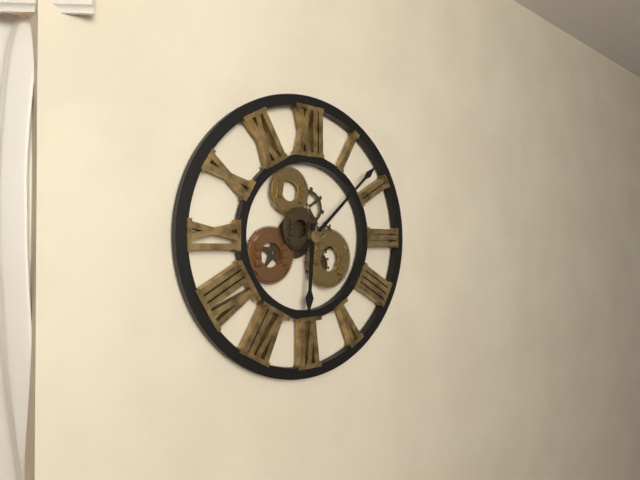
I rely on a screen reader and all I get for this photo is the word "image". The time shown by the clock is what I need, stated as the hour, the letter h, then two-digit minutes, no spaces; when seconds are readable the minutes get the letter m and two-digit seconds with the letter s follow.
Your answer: 6h08
